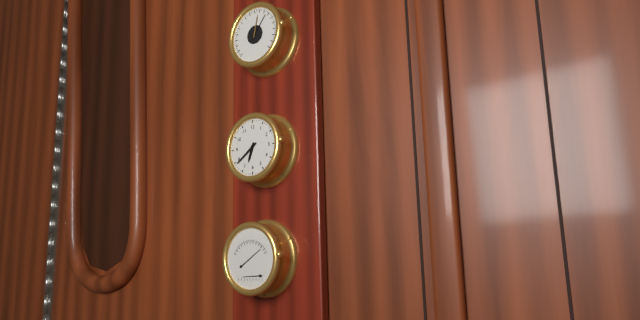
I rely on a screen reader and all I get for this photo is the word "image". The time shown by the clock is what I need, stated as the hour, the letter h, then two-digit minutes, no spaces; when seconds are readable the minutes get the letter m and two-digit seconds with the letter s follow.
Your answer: 6h39
